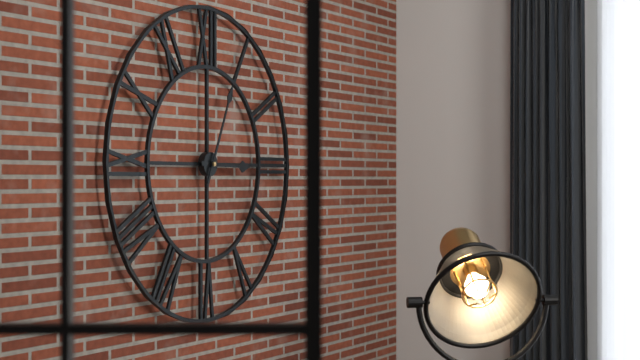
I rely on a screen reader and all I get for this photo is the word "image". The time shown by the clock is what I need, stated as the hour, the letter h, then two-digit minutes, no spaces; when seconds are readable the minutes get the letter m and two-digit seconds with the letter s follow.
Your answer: 3h04
